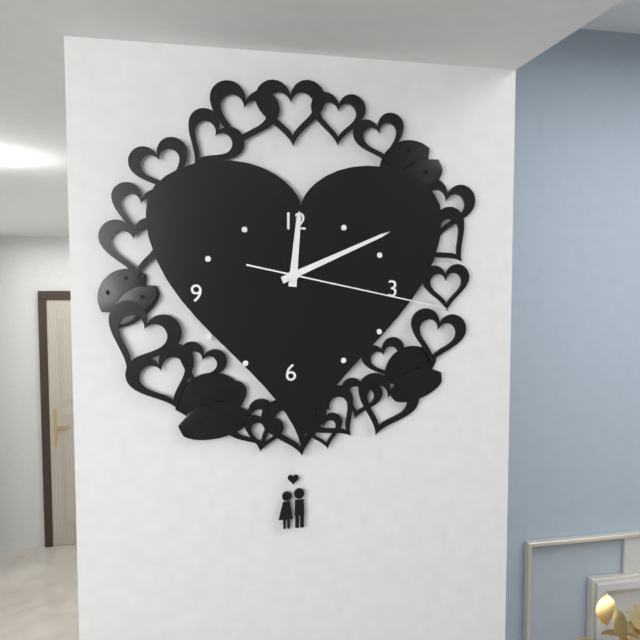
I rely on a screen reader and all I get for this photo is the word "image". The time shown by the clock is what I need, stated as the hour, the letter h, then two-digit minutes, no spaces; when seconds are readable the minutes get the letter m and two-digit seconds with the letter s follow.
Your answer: 12h11m17s
